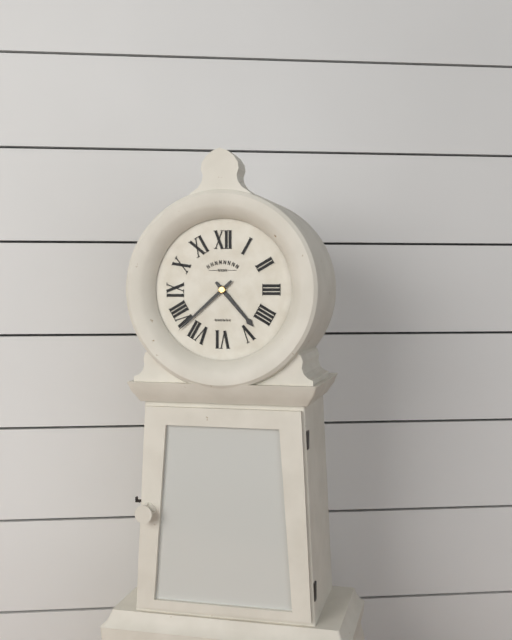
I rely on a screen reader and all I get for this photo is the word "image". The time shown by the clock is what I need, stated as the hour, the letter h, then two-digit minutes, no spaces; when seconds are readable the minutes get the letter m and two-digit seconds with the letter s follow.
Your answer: 4h38
